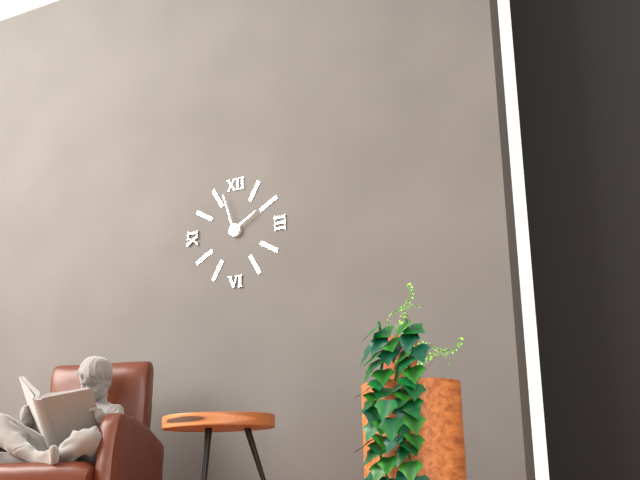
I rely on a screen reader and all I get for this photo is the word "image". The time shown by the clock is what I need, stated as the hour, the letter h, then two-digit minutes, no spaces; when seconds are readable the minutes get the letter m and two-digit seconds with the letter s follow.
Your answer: 1h57
